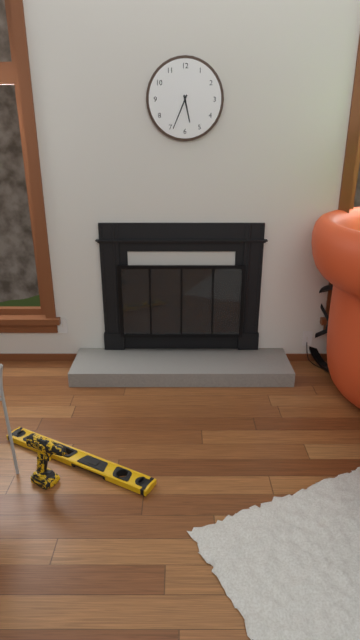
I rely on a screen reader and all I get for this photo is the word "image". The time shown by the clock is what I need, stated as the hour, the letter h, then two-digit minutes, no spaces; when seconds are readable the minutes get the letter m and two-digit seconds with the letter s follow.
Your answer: 5h34
